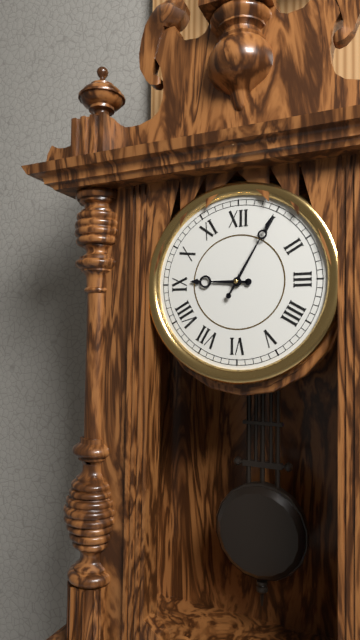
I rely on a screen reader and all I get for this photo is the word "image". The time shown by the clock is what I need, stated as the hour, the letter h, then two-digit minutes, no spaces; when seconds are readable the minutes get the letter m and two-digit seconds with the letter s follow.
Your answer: 9h05
